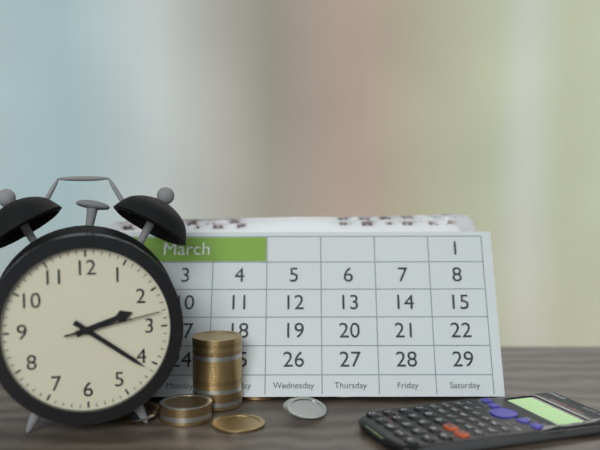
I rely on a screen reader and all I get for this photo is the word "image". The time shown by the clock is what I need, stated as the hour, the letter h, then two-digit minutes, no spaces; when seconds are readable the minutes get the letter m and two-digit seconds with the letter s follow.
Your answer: 2h21m13s
